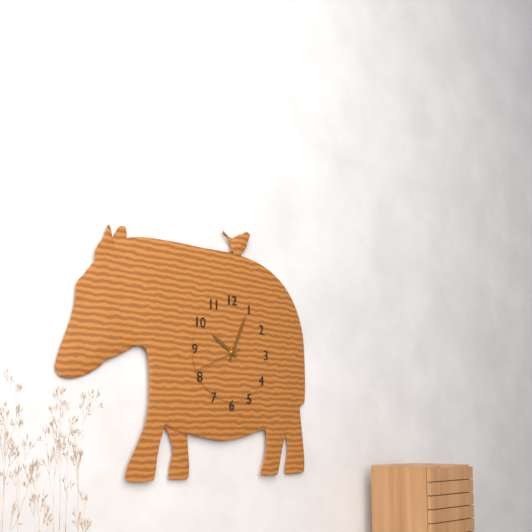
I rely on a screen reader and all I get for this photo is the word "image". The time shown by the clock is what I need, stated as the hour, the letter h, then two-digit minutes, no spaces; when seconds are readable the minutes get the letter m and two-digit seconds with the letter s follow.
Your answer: 10h04m41s
